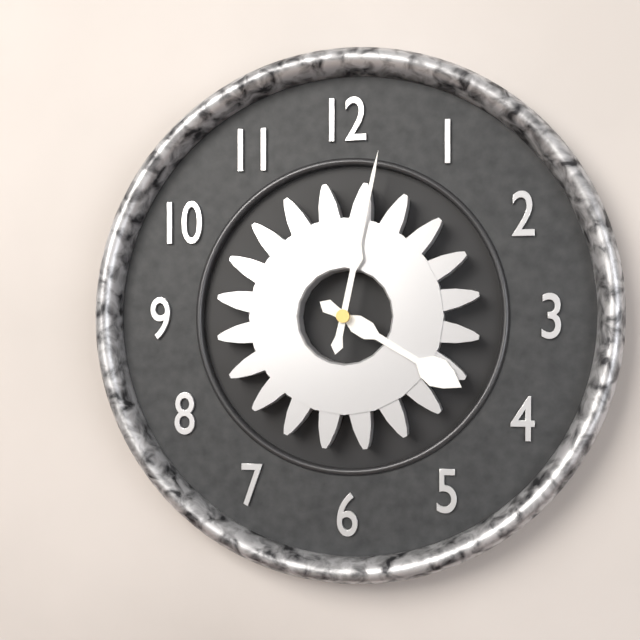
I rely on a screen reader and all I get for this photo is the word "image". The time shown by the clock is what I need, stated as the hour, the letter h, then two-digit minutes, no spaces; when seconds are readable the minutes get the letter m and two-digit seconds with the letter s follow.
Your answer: 4h02
